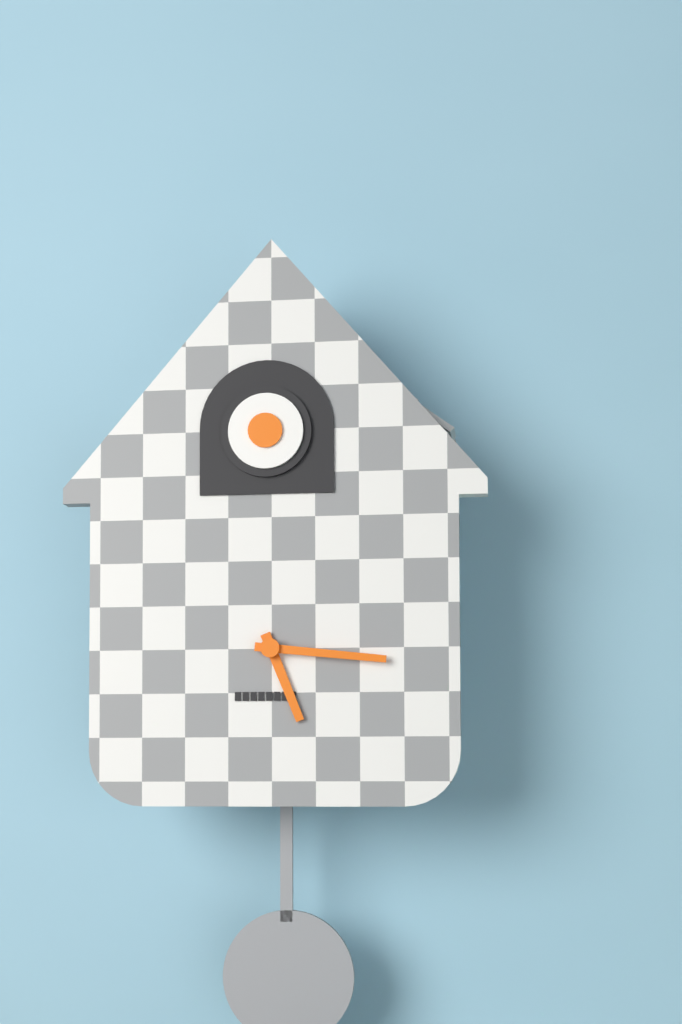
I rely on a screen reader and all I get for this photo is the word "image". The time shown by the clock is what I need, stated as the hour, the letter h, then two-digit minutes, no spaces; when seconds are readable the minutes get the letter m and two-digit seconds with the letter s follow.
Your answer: 5h16
